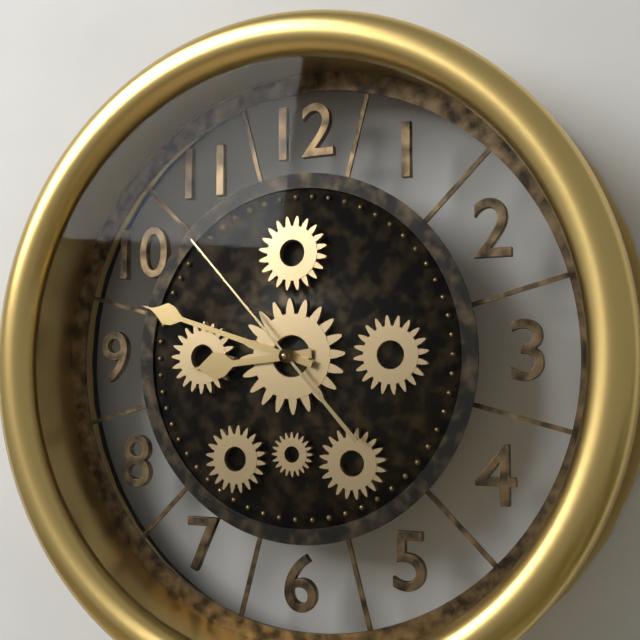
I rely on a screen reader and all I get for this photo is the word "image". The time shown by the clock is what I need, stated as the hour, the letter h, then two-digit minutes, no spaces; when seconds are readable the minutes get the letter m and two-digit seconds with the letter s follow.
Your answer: 8h48m53s
